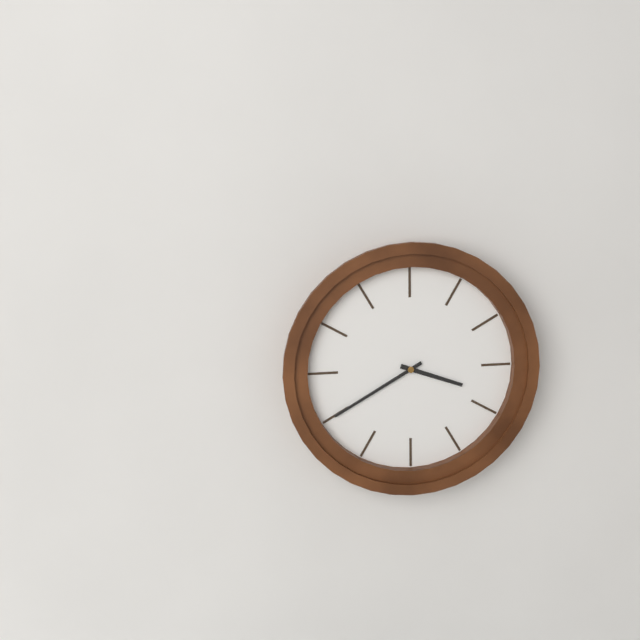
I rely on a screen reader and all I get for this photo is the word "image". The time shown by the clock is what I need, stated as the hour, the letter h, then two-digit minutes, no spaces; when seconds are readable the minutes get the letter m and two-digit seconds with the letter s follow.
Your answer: 3h40
